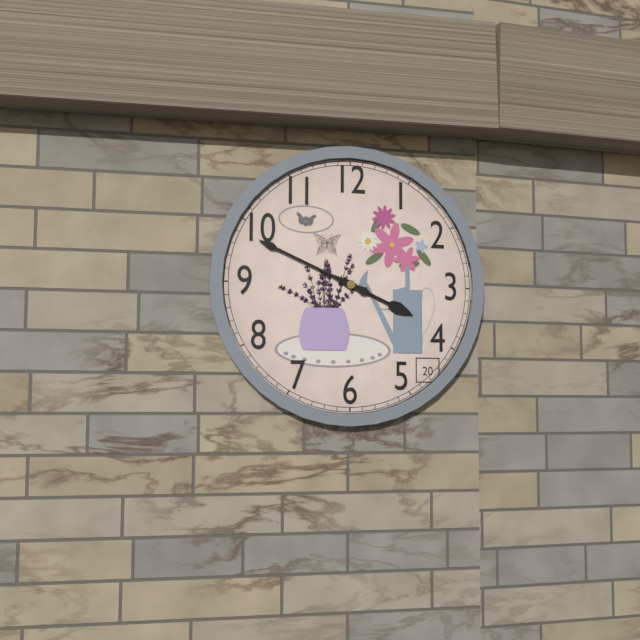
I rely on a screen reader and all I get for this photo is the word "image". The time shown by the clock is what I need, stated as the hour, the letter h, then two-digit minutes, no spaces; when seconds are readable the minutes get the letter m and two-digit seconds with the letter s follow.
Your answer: 3h49
